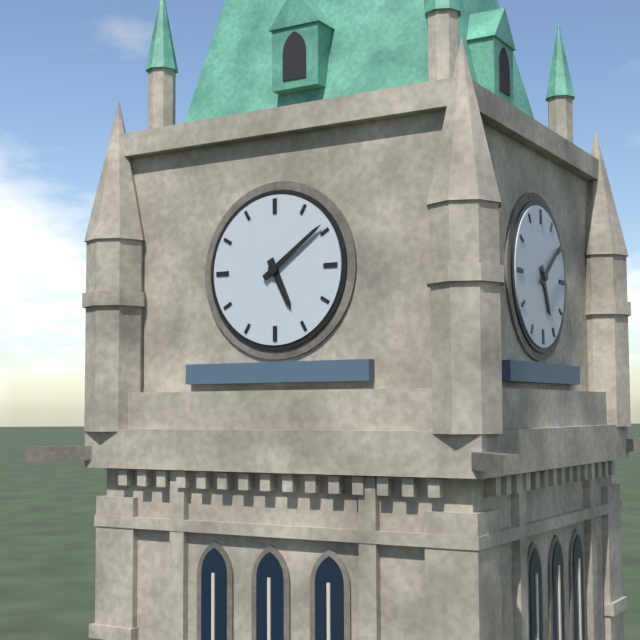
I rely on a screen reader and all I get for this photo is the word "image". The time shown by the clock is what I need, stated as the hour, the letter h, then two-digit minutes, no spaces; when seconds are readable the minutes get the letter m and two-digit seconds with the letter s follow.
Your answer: 5h09
